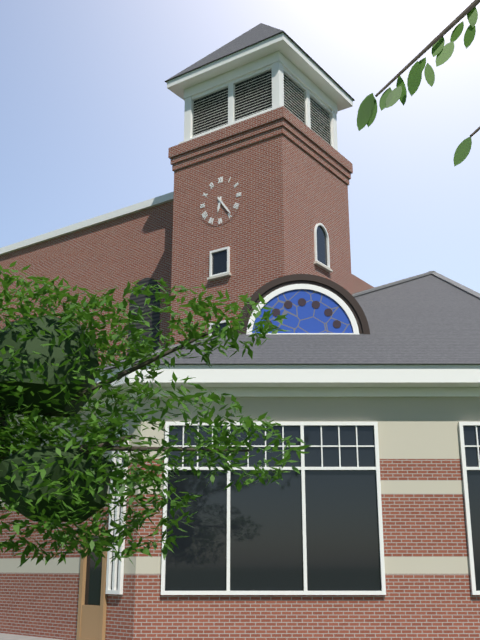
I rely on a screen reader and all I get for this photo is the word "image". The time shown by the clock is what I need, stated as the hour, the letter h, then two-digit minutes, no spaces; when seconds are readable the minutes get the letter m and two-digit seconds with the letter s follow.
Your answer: 6h24
